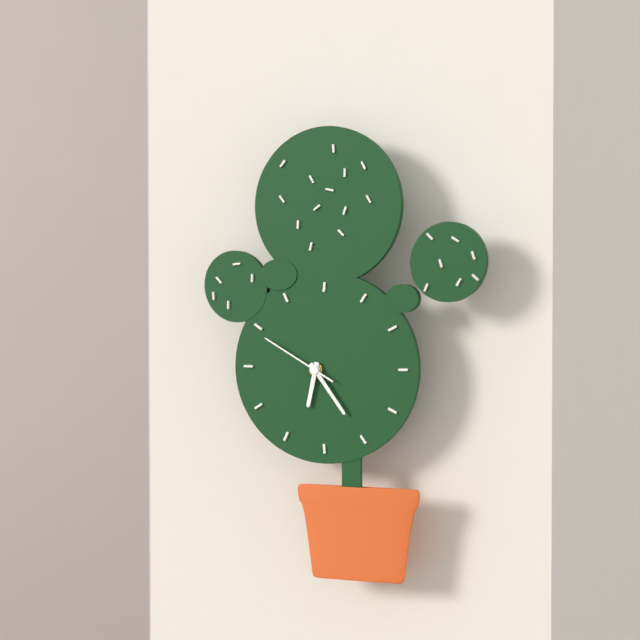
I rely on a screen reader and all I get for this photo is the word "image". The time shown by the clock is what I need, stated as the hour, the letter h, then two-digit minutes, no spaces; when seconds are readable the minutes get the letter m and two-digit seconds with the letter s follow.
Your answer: 6h24m50s
